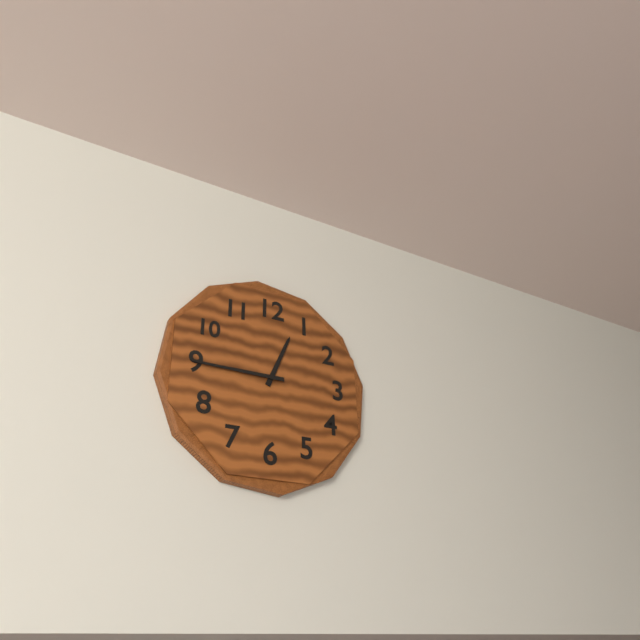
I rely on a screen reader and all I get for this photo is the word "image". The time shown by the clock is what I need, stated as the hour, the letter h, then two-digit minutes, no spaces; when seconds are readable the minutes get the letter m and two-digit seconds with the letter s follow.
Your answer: 12h45
